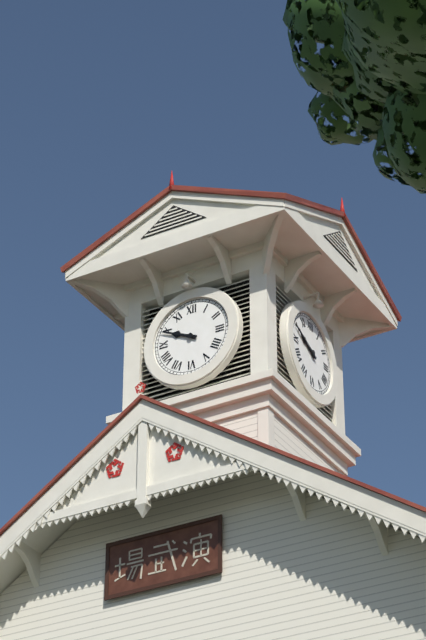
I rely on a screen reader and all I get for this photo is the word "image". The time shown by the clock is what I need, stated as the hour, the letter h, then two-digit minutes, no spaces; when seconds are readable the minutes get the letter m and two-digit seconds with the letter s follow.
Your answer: 9h49
